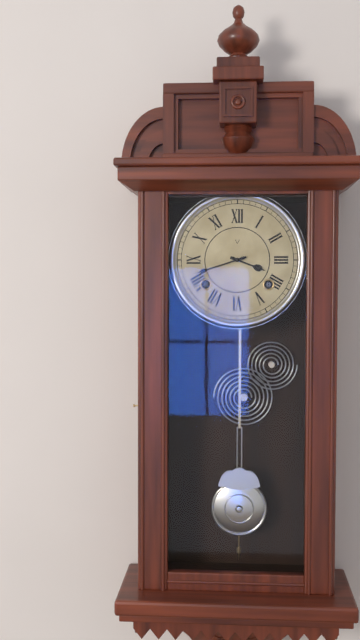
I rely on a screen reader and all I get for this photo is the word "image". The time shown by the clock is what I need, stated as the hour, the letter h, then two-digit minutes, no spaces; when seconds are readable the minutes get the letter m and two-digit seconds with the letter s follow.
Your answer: 3h42
